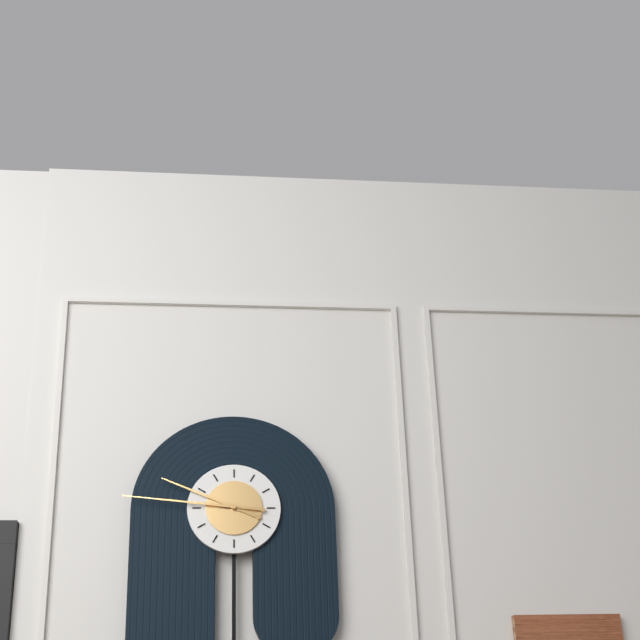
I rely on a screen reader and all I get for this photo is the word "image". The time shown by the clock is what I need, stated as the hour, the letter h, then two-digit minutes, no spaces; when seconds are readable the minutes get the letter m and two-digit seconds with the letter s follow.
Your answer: 9h46
